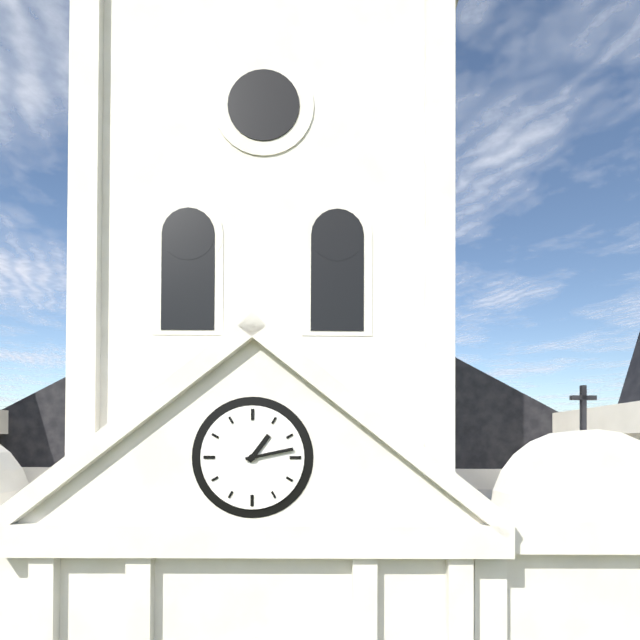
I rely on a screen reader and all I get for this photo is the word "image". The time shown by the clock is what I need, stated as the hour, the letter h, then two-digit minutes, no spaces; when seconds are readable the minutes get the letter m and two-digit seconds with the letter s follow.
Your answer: 1h13
